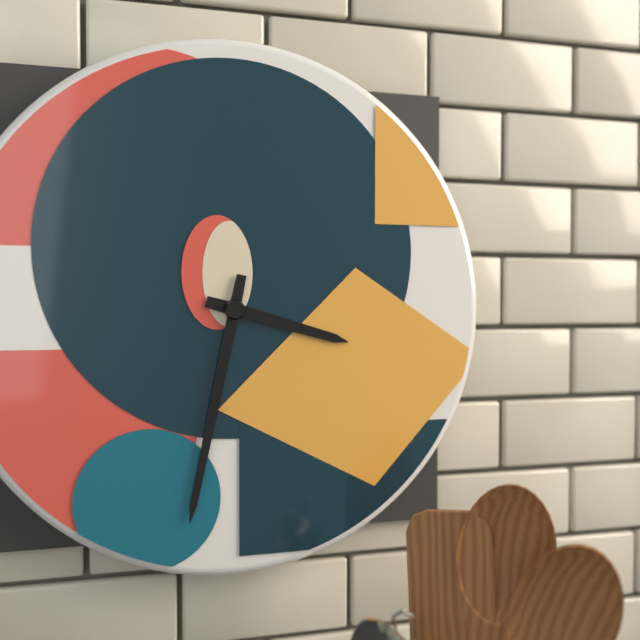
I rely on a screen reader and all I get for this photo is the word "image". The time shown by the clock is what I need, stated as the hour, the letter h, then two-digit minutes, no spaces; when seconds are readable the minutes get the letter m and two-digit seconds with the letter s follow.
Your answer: 3h32
